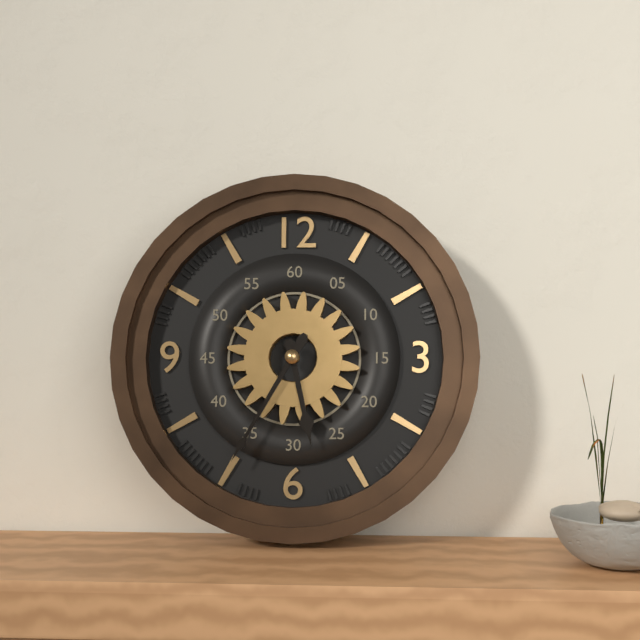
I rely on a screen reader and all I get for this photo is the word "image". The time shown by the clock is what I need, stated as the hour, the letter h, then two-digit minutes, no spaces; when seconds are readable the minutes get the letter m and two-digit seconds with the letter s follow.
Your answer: 5h35
